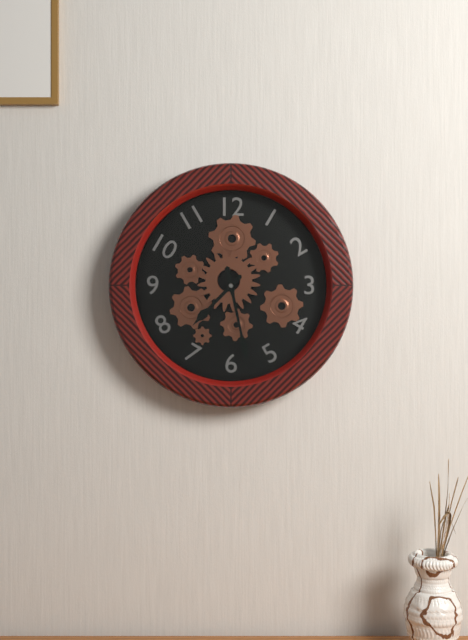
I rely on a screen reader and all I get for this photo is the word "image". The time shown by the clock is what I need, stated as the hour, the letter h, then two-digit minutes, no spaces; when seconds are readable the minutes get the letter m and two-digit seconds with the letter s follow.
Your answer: 7h28
